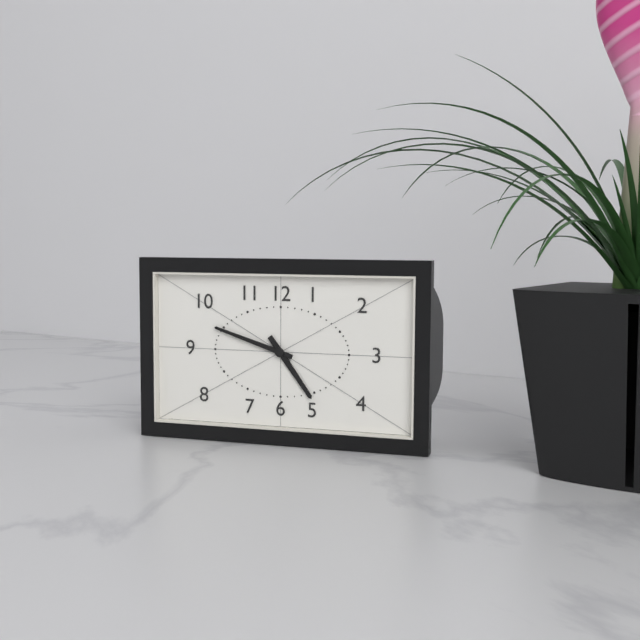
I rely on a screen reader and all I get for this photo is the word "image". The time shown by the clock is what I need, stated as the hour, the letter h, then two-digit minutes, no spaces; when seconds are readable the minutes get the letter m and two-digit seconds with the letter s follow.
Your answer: 4h48
